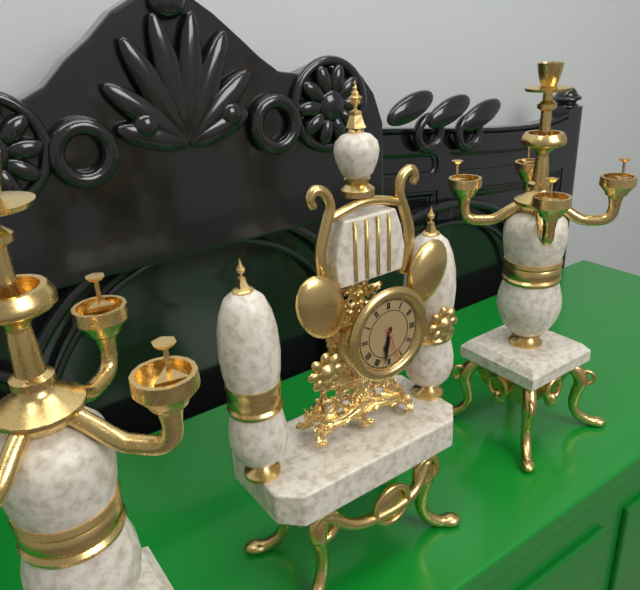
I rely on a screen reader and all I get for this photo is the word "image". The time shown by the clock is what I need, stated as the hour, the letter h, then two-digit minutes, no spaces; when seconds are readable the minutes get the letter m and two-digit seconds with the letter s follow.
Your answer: 6h32
